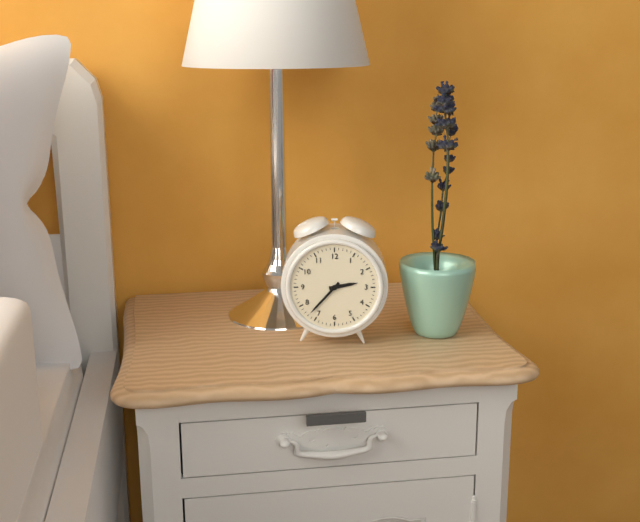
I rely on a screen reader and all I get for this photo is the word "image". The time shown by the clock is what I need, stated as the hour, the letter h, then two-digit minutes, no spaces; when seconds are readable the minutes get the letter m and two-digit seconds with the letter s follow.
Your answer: 2h37
